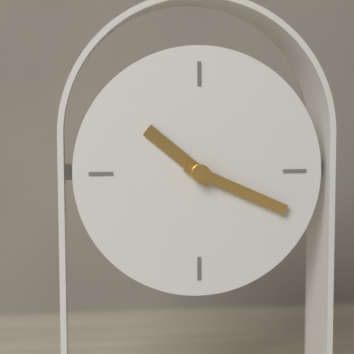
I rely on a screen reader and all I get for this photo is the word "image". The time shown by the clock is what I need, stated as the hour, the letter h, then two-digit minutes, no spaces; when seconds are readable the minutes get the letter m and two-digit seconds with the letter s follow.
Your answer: 10h19
